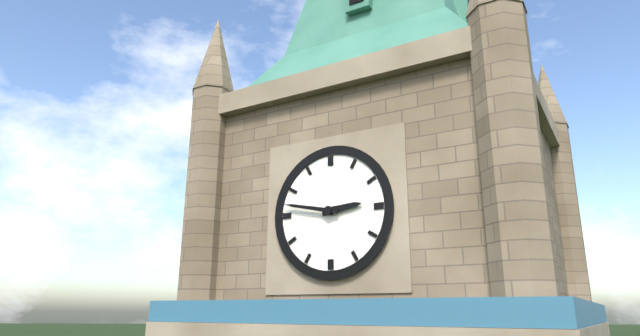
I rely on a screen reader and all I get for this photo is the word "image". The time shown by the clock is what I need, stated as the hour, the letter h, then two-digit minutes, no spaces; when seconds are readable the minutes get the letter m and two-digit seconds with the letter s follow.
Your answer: 2h47
